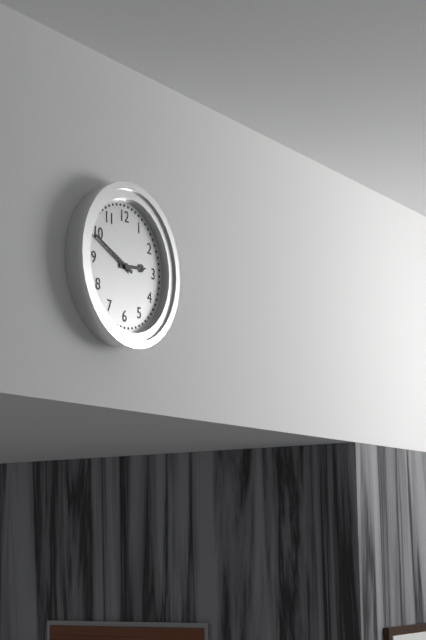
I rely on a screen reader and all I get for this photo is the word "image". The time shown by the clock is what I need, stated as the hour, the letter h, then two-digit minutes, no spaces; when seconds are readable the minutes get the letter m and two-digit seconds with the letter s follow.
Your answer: 2h49
